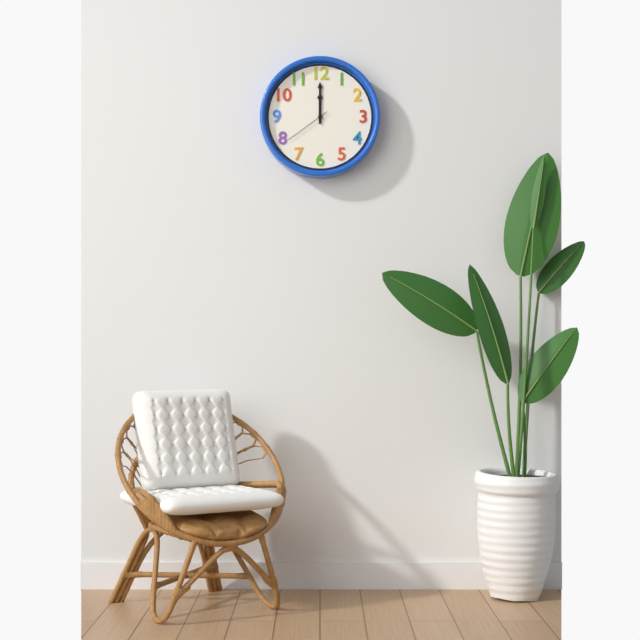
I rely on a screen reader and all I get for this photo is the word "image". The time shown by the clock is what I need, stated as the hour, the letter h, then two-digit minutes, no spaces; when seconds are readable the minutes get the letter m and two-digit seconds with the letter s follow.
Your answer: 12h00m39s
